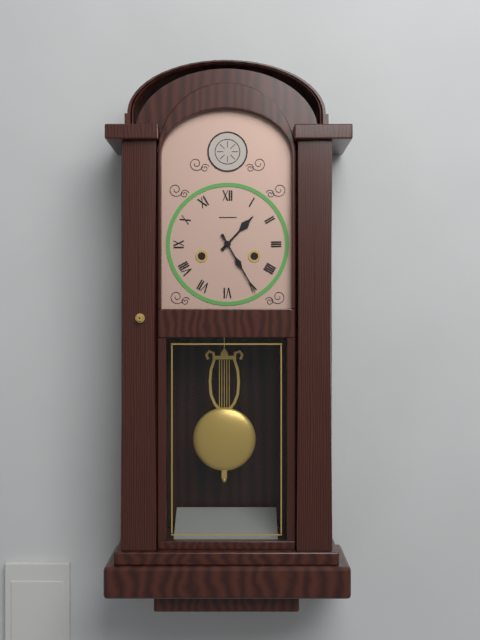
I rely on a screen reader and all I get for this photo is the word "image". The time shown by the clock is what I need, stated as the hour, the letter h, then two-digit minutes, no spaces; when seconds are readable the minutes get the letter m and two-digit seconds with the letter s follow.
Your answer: 1h25
